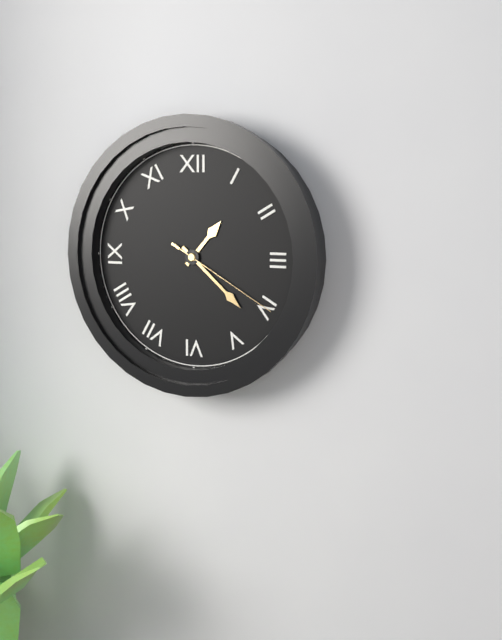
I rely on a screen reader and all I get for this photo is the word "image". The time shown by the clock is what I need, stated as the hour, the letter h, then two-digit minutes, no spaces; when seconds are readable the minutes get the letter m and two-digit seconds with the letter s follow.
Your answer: 1h22m20s
